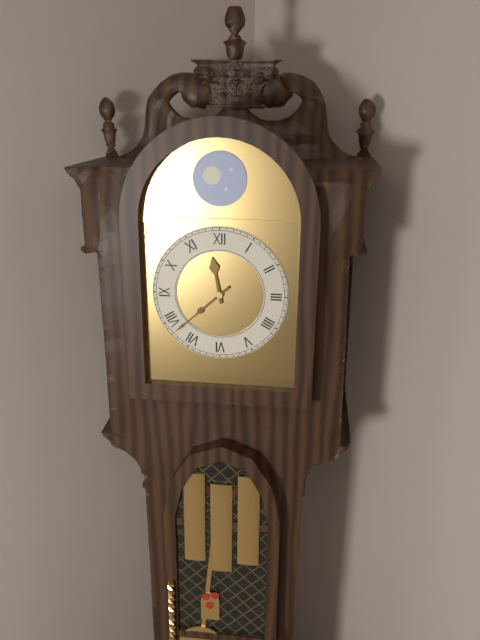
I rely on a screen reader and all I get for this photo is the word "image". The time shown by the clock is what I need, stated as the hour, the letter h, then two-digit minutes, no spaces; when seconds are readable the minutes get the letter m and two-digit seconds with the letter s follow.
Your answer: 11h38
